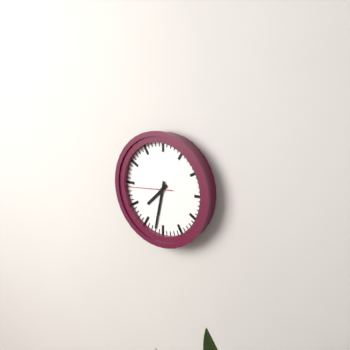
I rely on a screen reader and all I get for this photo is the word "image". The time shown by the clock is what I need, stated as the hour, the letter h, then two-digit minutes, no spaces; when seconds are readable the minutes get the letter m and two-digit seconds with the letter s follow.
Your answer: 7h32
